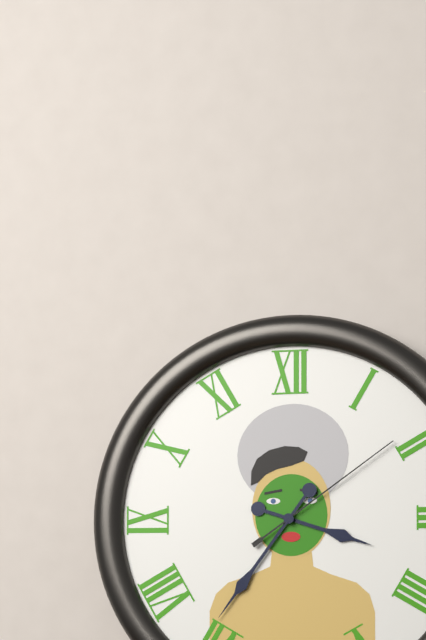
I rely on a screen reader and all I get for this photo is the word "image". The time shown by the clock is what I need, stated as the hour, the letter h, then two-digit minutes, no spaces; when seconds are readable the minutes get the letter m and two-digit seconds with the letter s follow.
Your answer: 3h36m09s
